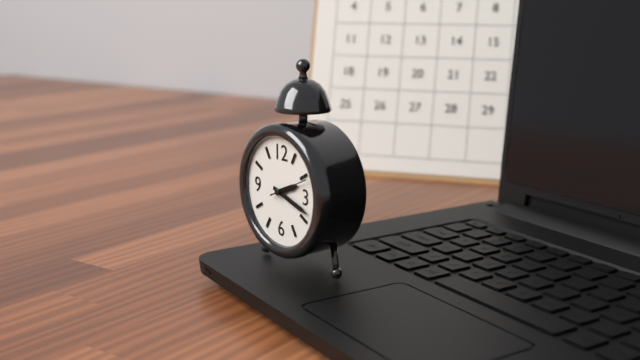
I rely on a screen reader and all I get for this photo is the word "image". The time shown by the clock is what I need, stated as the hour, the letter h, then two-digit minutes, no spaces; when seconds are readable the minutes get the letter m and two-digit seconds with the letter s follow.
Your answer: 2h18
